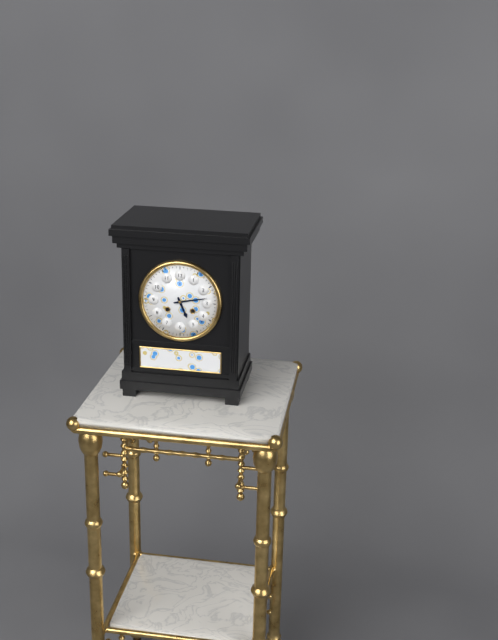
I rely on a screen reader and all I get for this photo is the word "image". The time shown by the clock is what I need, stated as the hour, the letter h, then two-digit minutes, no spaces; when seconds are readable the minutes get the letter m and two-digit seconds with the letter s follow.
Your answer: 5h13
